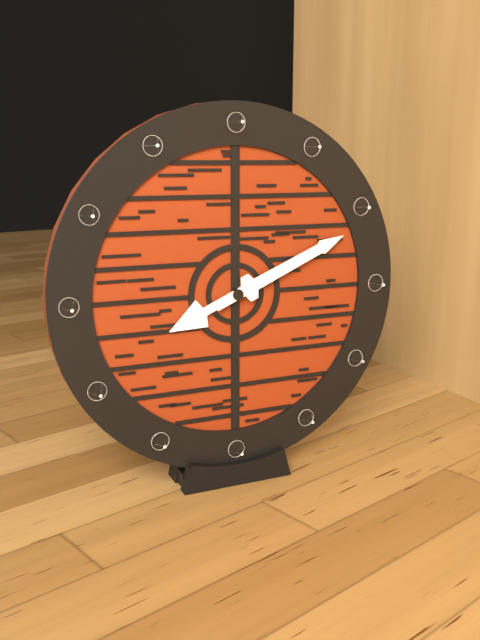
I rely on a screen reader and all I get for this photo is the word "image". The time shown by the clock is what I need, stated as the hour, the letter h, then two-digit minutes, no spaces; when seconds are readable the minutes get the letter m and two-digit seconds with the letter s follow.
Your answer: 8h11
